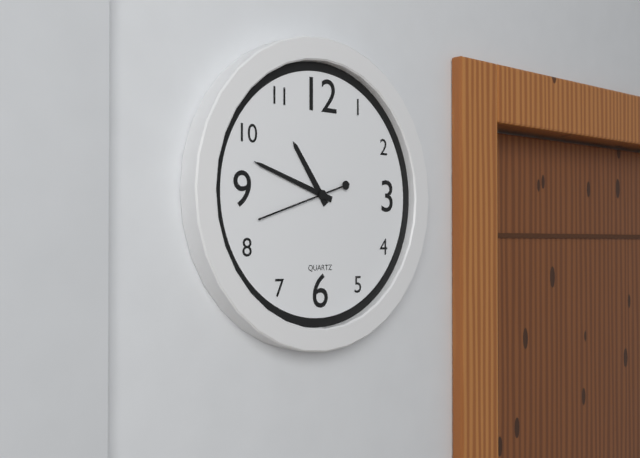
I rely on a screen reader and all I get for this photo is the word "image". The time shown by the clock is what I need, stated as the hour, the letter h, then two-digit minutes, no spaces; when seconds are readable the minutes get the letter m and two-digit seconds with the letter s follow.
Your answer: 10h48m42s
